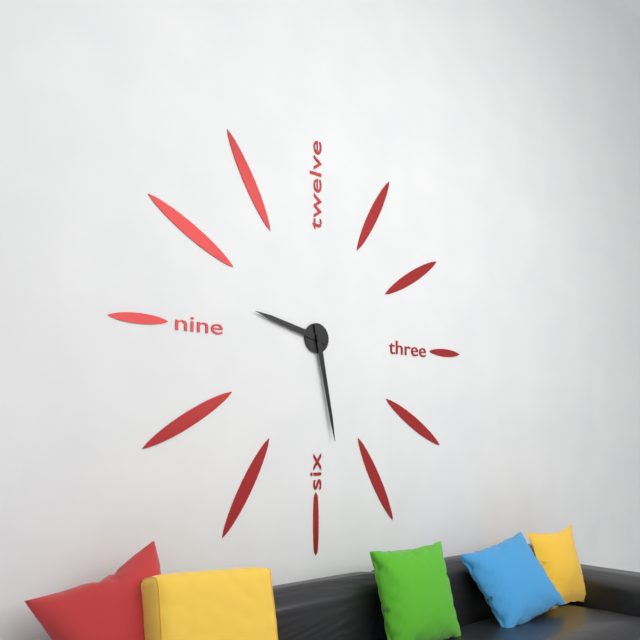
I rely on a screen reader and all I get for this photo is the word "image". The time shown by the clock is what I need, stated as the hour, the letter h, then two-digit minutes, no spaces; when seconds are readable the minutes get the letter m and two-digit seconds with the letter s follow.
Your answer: 9h28
